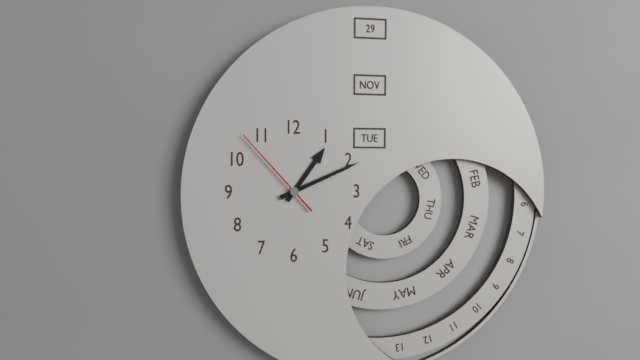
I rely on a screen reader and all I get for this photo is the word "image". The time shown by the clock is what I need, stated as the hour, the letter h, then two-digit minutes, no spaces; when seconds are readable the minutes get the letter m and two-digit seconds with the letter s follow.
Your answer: 1h11m53s
